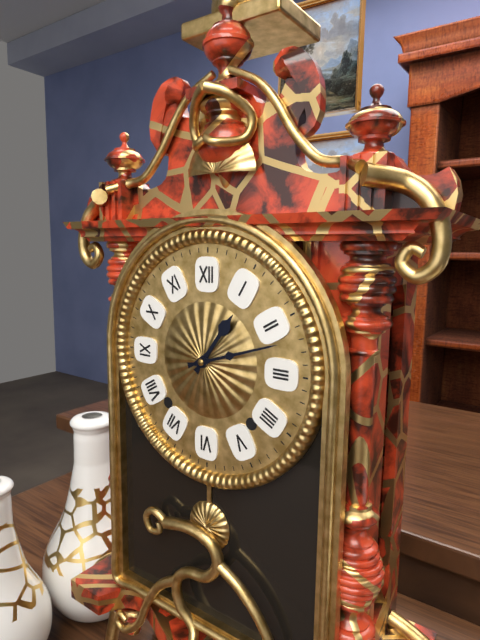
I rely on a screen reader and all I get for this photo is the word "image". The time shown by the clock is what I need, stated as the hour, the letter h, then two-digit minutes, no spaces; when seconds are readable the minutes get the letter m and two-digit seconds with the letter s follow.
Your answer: 1h12
